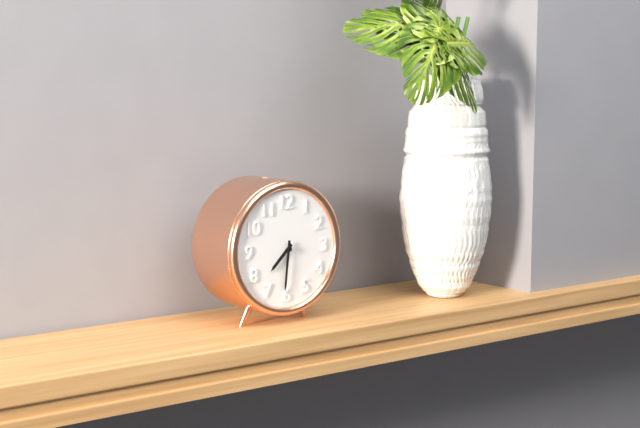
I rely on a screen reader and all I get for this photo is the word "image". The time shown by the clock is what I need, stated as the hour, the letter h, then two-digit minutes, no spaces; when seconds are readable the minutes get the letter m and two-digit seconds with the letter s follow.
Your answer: 7h31
